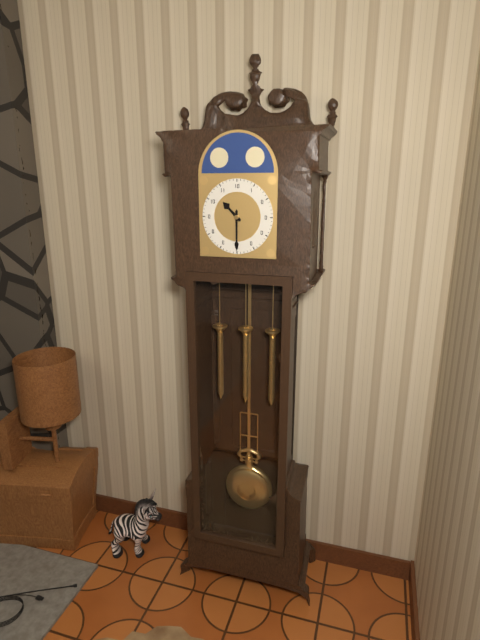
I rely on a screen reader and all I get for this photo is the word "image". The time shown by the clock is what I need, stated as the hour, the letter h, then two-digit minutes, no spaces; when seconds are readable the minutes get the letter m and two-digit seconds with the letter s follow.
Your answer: 10h30
